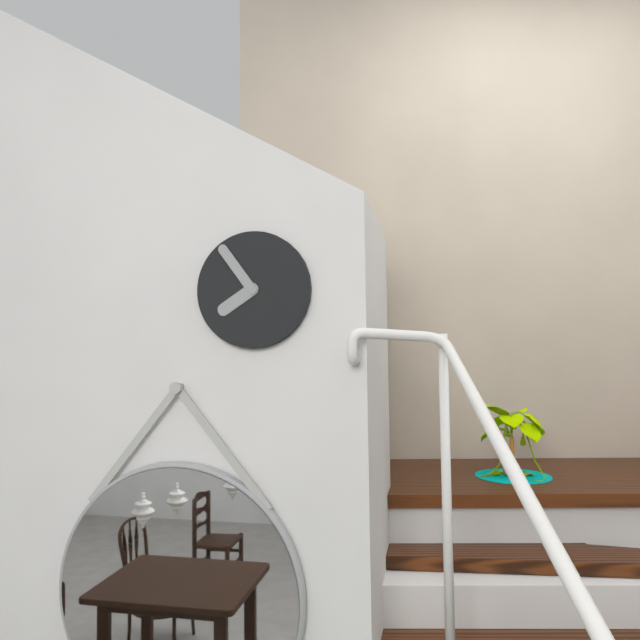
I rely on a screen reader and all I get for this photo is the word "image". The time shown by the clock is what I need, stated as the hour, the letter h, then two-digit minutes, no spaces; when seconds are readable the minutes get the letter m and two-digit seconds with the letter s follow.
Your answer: 7h54
